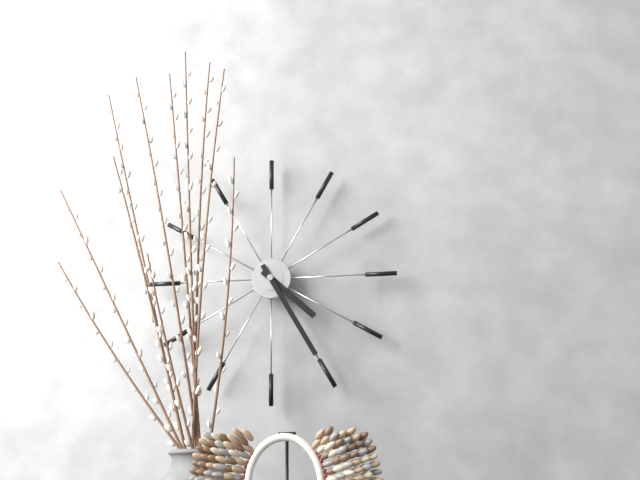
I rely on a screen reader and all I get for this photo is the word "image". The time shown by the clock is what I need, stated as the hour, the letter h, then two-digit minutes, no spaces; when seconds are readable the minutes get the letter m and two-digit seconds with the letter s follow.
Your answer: 4h25
